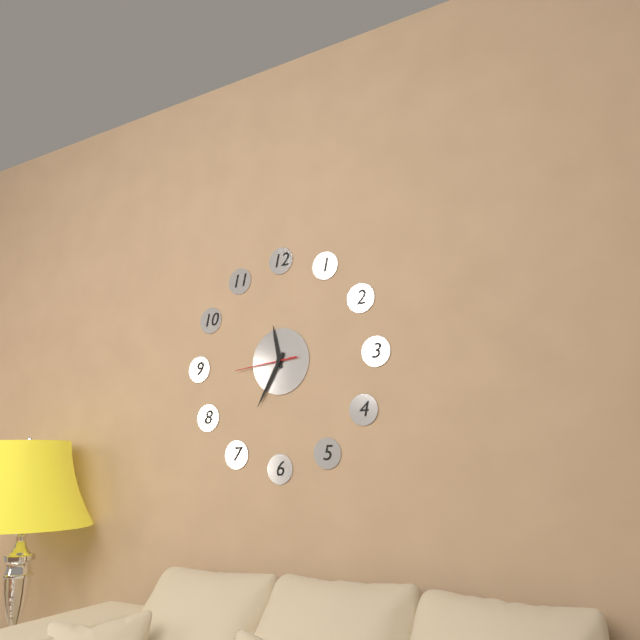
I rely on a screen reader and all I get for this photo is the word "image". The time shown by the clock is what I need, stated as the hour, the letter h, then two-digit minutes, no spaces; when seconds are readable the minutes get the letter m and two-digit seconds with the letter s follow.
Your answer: 11h35m44s
